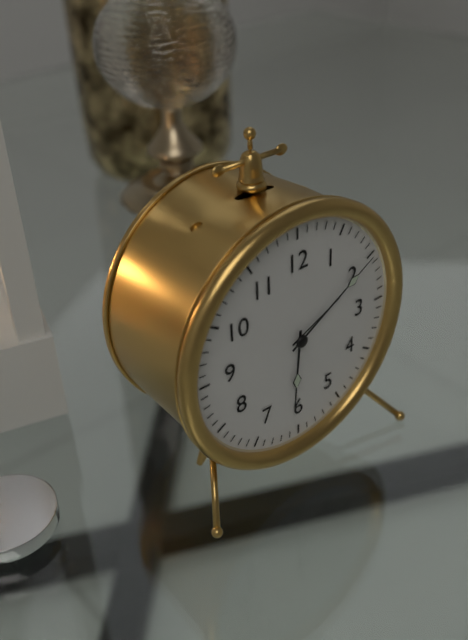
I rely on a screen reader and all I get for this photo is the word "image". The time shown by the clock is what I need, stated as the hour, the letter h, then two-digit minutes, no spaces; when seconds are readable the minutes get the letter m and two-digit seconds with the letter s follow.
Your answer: 6h10
